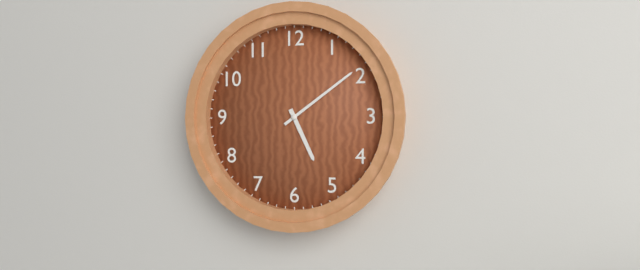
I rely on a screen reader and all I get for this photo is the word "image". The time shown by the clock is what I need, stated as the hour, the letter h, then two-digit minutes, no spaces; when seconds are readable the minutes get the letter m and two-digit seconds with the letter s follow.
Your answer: 5h09
